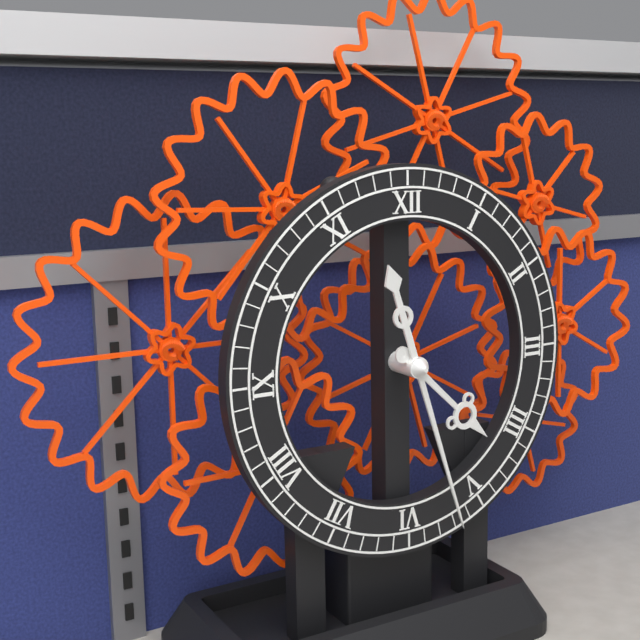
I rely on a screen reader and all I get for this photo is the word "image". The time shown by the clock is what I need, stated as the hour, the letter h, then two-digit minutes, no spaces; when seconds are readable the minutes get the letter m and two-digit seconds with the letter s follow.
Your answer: 4h27
